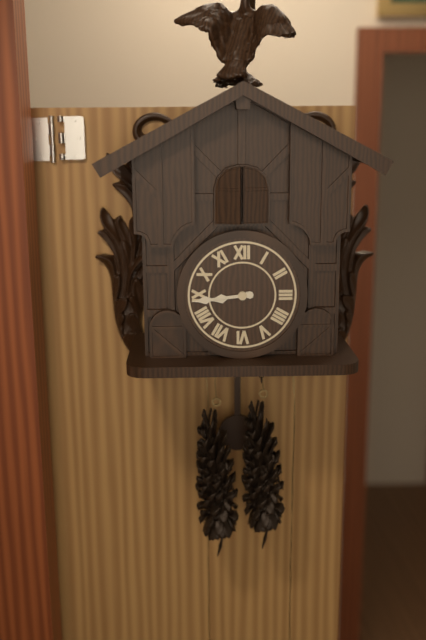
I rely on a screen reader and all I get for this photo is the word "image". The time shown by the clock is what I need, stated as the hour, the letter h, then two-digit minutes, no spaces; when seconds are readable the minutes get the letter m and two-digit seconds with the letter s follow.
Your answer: 8h44
